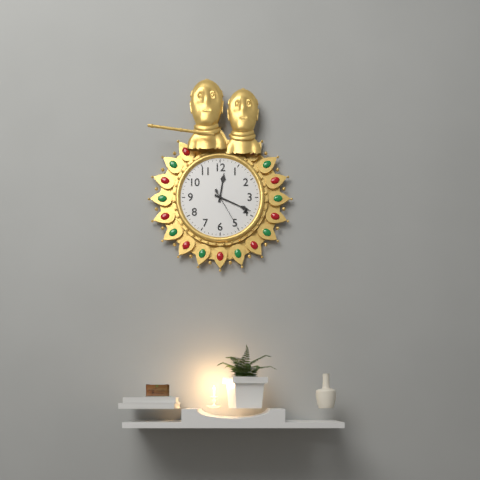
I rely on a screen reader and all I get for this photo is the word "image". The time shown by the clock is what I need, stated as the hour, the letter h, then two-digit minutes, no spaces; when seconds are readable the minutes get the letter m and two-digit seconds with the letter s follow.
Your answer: 12h19
